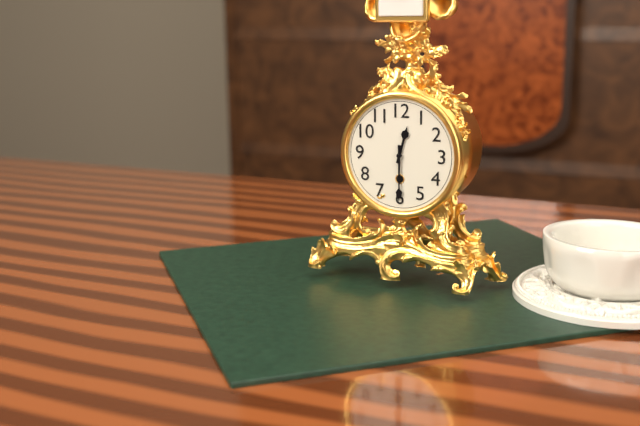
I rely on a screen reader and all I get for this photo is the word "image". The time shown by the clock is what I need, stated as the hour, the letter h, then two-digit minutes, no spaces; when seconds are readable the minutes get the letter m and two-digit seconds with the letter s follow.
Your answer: 12h30
